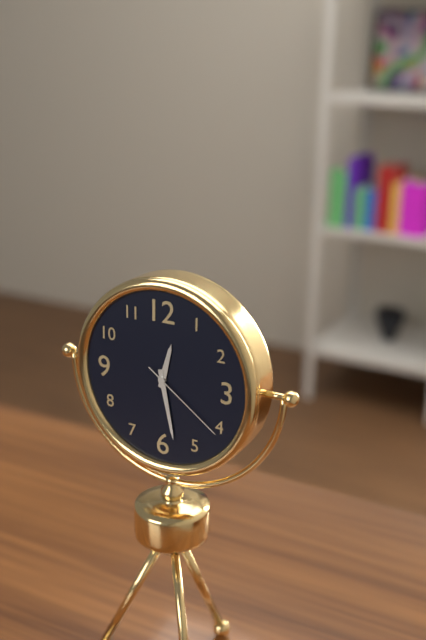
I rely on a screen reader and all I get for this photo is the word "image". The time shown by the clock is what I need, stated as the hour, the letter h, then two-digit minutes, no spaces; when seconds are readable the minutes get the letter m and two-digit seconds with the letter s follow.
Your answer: 12h28m21s
